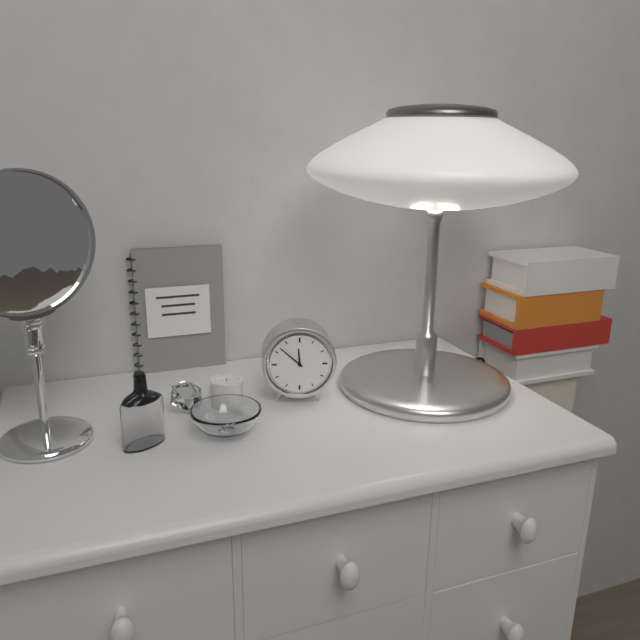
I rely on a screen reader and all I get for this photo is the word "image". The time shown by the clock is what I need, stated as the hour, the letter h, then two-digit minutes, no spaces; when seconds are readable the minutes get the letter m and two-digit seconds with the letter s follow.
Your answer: 11h52
